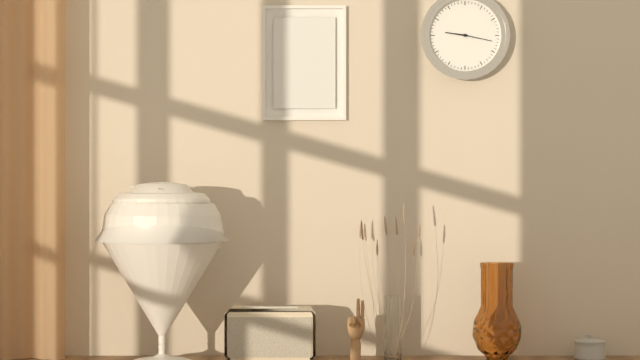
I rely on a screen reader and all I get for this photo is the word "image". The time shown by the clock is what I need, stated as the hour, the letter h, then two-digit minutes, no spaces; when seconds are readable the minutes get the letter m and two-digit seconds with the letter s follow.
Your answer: 9h17
